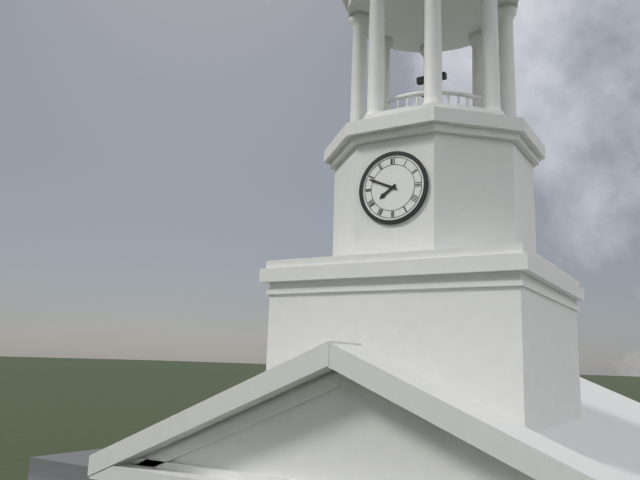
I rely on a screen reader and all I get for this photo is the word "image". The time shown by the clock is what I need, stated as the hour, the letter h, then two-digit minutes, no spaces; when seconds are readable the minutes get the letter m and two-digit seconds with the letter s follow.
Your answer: 7h49
